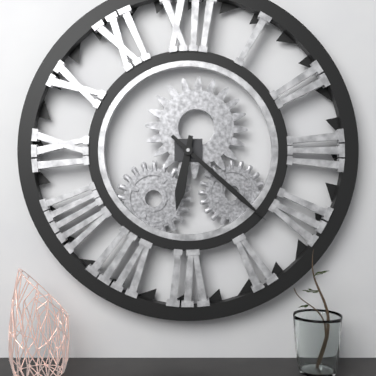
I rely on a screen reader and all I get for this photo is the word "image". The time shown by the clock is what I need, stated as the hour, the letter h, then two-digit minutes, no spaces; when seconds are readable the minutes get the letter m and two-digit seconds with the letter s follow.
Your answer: 6h22
